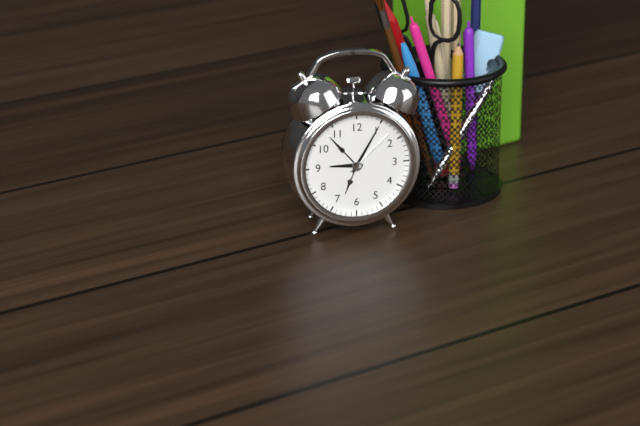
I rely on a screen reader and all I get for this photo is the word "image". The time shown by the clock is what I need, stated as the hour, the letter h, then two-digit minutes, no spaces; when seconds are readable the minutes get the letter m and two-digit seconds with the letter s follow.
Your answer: 9h05
